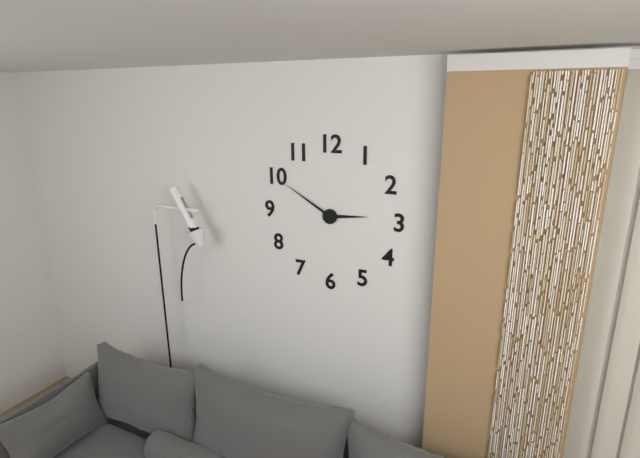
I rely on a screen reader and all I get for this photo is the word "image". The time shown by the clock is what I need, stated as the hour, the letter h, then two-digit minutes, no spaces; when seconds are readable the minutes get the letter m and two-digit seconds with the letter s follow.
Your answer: 2h50
